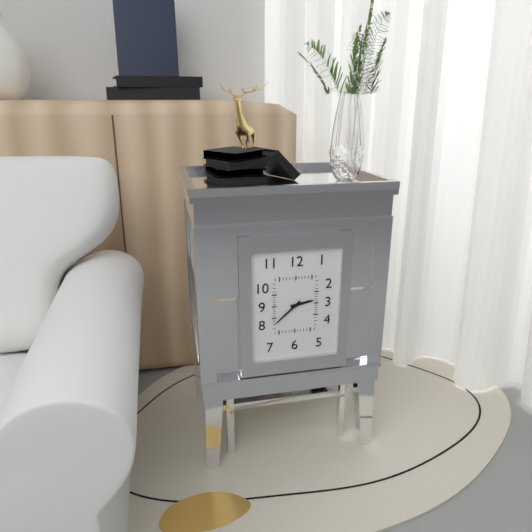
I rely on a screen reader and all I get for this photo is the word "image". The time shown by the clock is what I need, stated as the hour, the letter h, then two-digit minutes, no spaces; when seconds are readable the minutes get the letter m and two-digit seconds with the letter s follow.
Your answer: 2h38
